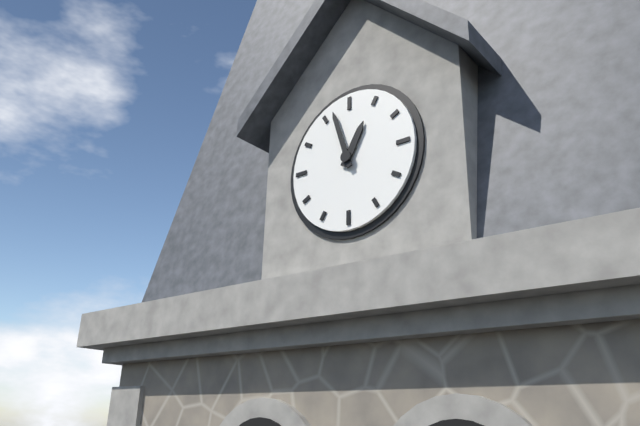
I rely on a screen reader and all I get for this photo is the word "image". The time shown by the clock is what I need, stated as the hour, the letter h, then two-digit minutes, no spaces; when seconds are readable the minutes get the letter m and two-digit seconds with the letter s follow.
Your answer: 12h57
